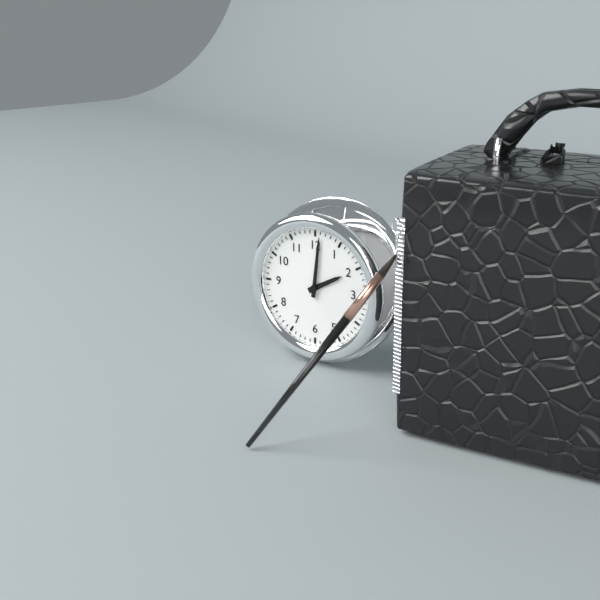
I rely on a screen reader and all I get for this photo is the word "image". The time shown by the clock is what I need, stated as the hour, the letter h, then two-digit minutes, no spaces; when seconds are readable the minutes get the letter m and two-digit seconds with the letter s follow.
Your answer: 2h01
